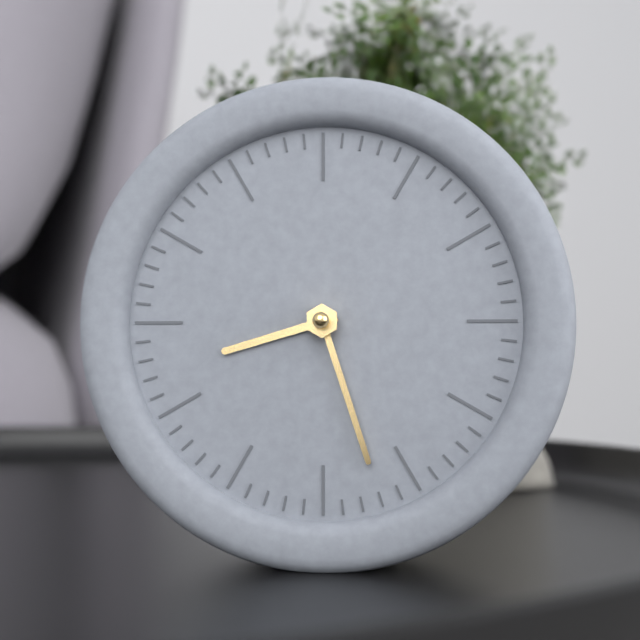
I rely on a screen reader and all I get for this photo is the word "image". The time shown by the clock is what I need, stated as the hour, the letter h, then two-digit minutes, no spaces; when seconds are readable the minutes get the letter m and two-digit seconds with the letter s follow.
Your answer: 8h27
